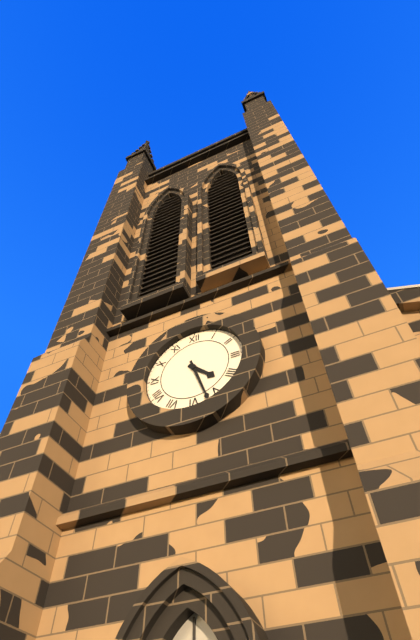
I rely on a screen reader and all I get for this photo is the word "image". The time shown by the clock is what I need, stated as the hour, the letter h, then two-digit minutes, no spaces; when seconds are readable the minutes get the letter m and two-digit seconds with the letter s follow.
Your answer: 4h27
